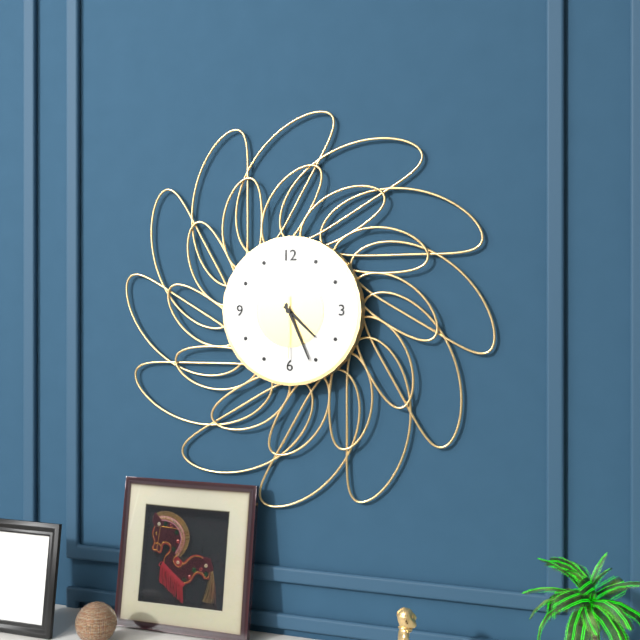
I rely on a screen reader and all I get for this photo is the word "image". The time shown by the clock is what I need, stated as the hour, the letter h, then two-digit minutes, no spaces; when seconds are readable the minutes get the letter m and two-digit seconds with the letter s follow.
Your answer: 4h26m30s
